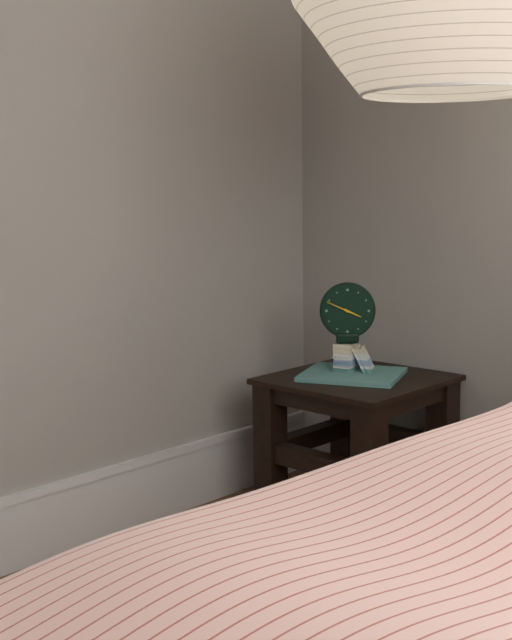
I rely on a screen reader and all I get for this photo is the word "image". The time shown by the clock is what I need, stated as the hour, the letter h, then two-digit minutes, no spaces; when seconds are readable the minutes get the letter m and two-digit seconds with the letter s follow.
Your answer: 3h49
